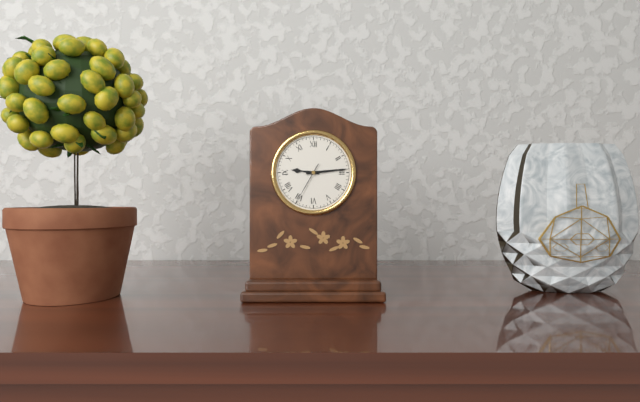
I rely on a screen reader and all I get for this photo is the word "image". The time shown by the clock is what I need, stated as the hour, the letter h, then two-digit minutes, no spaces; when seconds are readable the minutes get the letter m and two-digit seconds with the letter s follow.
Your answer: 9h14
